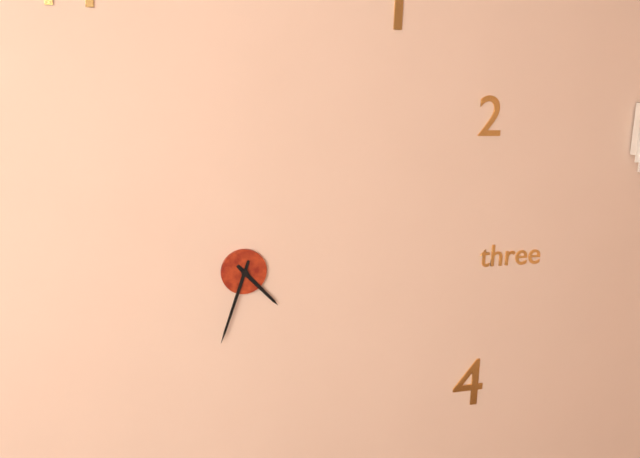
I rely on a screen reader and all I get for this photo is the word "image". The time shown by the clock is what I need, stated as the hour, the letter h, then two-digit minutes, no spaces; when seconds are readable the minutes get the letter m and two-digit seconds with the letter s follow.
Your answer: 4h33
